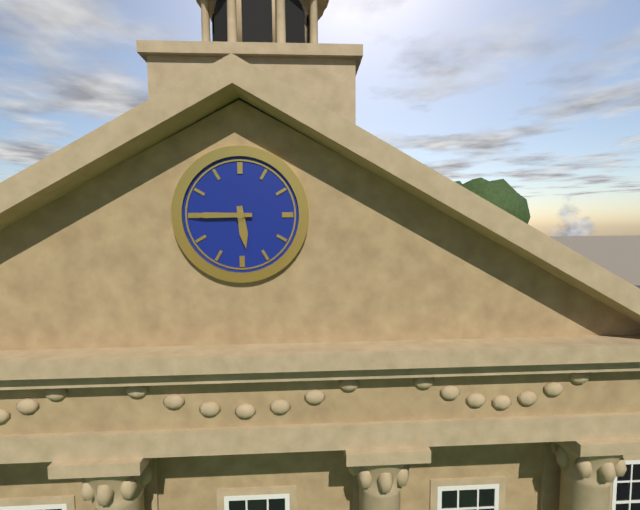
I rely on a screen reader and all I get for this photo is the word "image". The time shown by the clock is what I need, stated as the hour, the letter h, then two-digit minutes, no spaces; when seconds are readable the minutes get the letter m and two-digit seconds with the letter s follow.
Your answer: 5h45
